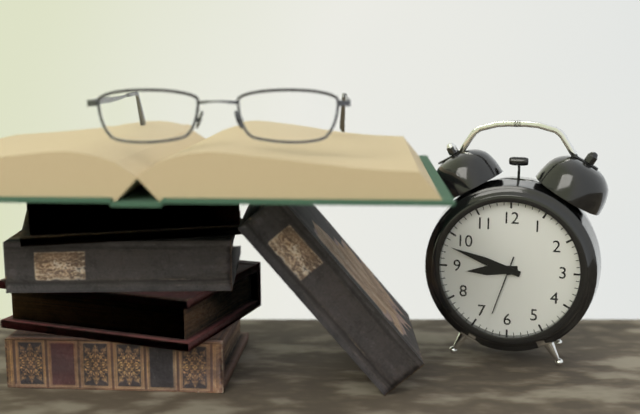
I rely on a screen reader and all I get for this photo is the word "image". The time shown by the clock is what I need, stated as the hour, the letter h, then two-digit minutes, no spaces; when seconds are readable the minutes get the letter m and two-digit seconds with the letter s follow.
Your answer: 8h48m33s
